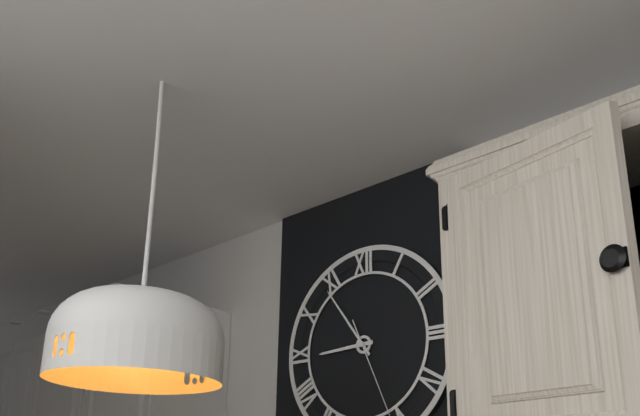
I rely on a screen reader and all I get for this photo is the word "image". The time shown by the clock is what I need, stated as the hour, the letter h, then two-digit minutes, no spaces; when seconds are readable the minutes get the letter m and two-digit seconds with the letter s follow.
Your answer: 8h54
